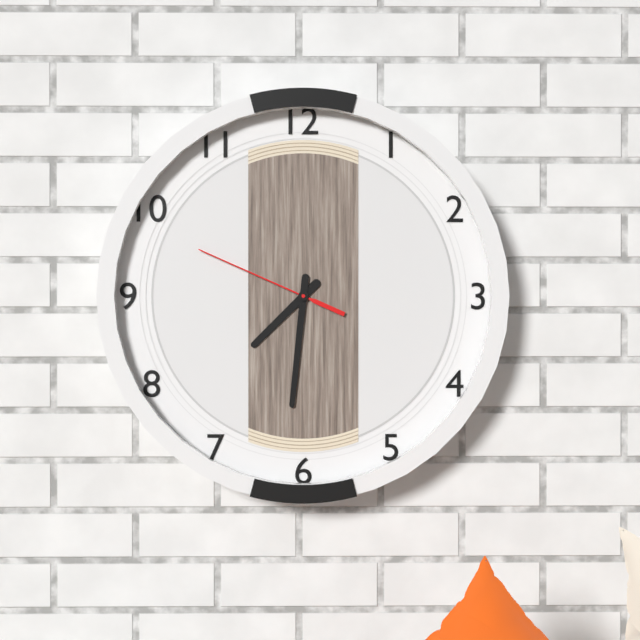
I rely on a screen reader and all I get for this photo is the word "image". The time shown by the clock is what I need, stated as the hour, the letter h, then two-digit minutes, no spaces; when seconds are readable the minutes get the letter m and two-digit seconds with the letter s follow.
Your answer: 7h31m49s
